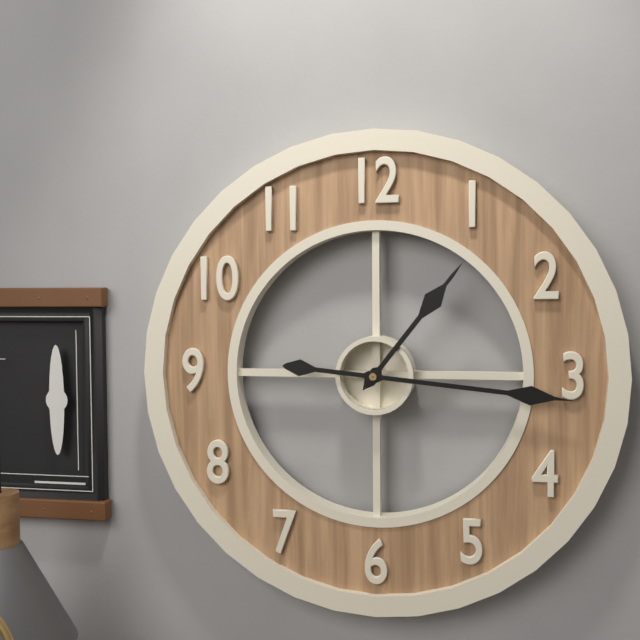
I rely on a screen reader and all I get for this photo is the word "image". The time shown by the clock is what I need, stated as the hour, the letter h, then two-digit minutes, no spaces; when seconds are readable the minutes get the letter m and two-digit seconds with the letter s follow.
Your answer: 1h16
